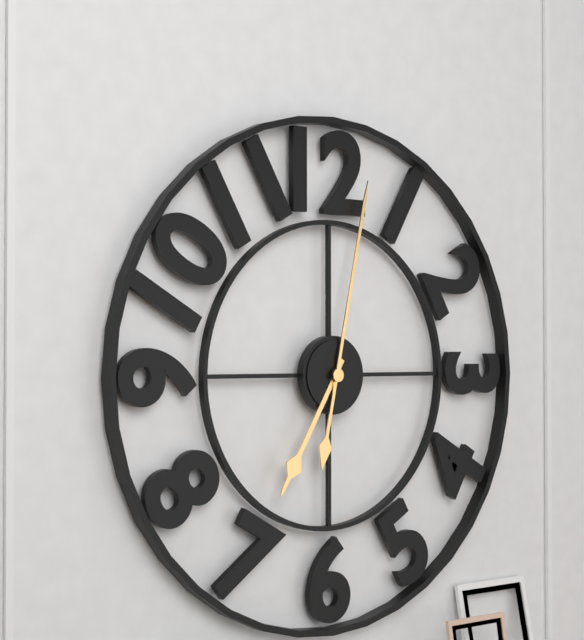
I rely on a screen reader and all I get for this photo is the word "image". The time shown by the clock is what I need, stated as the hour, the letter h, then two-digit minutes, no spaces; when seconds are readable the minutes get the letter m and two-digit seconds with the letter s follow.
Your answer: 7h02
